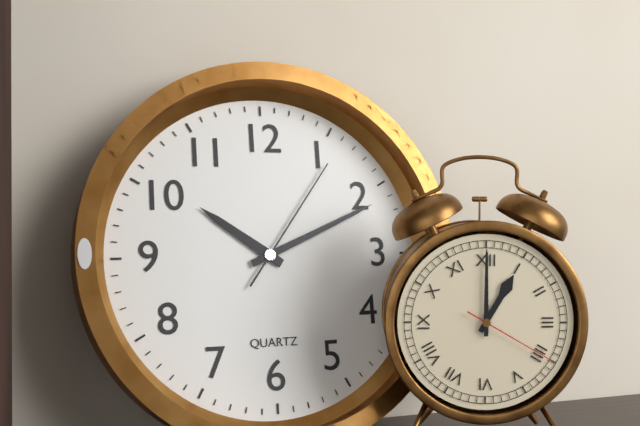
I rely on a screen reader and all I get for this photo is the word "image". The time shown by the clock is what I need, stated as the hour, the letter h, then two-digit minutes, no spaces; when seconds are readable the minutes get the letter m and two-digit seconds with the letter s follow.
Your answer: 10h11m06s
